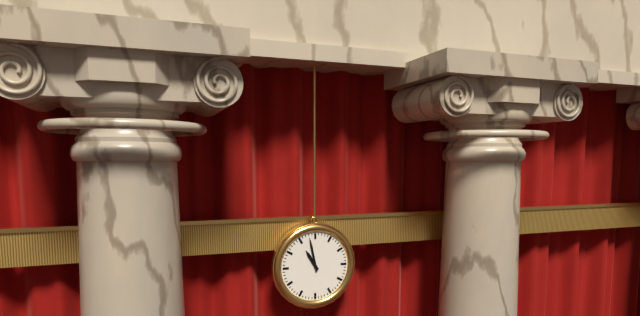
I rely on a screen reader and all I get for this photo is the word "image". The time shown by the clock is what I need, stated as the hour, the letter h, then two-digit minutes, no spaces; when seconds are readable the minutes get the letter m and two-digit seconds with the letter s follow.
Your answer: 10h58
